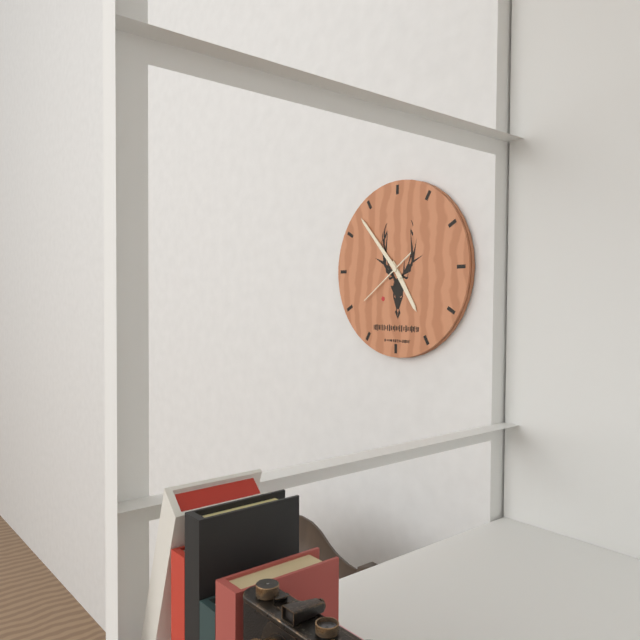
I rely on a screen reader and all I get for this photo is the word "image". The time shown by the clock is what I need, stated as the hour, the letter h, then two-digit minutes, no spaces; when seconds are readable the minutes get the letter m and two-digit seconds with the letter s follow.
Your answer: 4h53m39s
